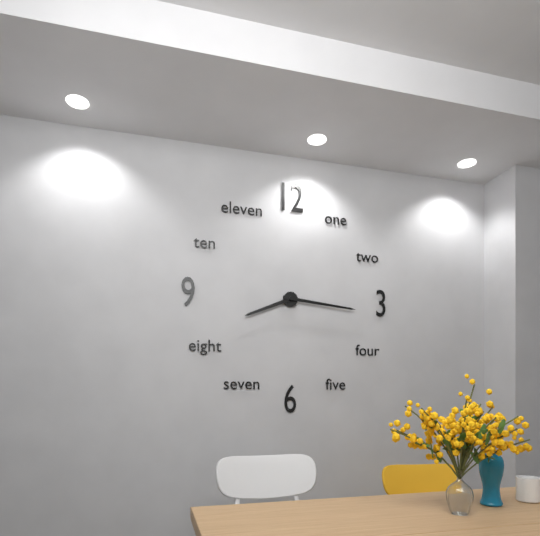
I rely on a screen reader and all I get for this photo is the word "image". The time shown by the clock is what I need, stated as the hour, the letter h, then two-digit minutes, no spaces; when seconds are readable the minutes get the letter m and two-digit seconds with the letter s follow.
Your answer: 8h16
